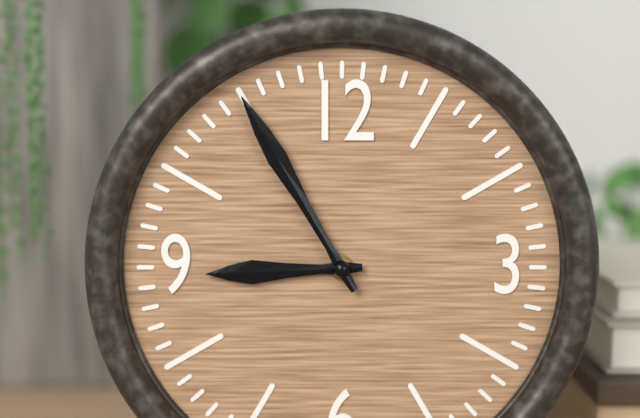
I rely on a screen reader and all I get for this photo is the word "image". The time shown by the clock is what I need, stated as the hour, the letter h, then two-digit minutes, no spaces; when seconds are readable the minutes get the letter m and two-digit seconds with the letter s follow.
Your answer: 8h55
